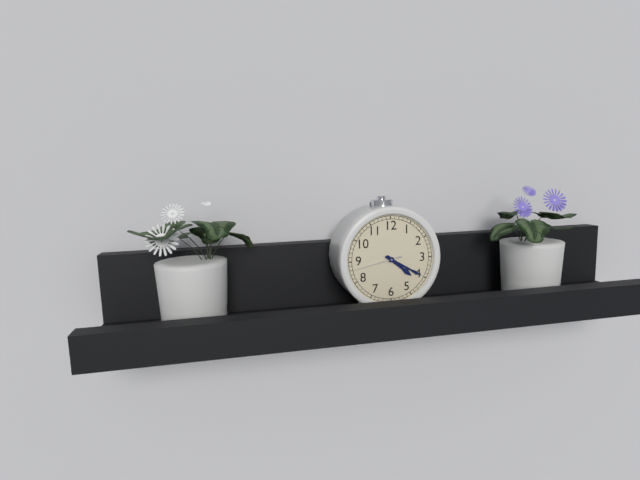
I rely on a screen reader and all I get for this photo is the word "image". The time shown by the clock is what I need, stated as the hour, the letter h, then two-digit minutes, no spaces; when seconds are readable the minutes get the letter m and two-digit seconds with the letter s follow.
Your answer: 4h20
